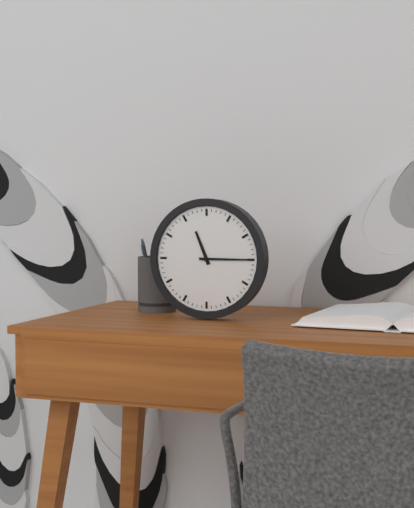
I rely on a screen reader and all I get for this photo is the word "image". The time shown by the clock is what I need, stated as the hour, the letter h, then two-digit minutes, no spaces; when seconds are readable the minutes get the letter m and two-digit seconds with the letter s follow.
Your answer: 11h15
